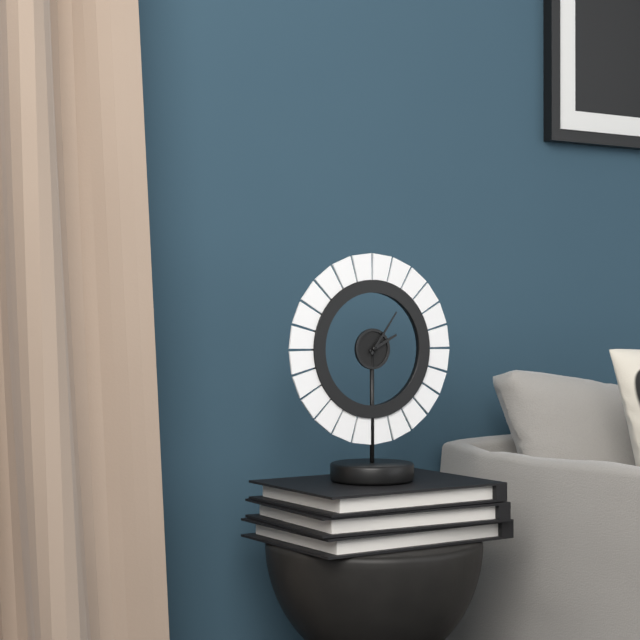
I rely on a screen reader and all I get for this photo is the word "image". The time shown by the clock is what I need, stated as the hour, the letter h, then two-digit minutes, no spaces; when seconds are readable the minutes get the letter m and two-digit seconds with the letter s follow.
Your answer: 2h06
